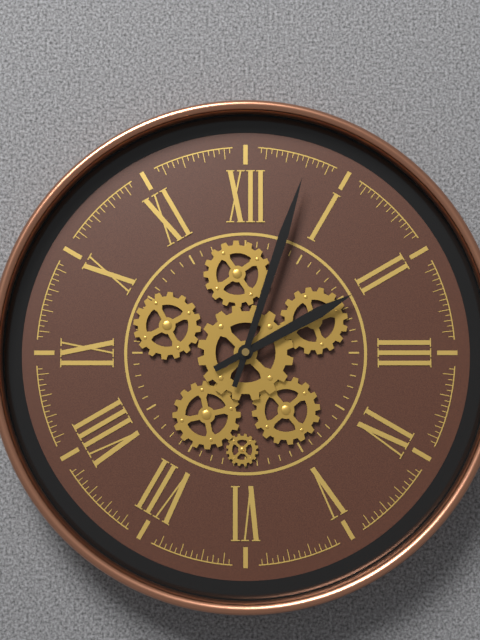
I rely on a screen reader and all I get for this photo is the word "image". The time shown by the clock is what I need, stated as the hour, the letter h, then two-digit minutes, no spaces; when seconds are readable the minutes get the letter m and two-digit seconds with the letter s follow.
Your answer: 2h03
